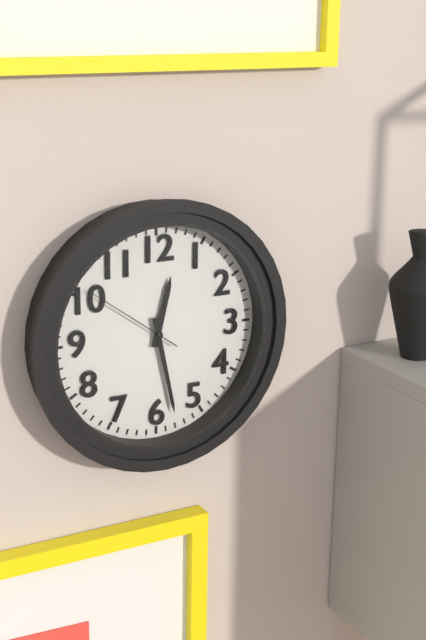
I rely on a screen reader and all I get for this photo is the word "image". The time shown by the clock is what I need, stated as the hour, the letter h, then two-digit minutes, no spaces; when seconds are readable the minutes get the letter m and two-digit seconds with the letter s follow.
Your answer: 12h28m51s
